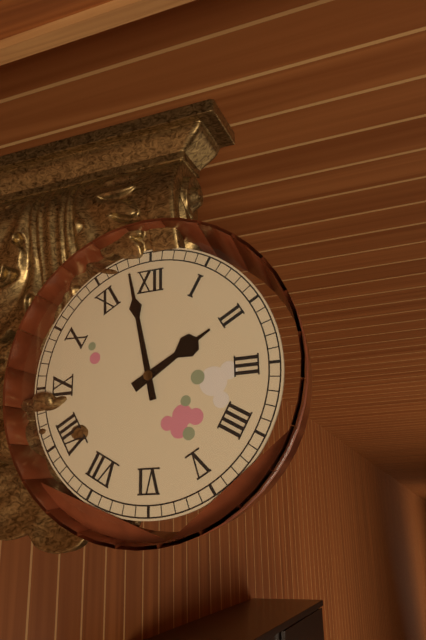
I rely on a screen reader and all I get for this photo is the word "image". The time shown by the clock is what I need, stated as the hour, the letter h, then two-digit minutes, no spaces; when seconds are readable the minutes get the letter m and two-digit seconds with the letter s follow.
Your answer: 1h58
